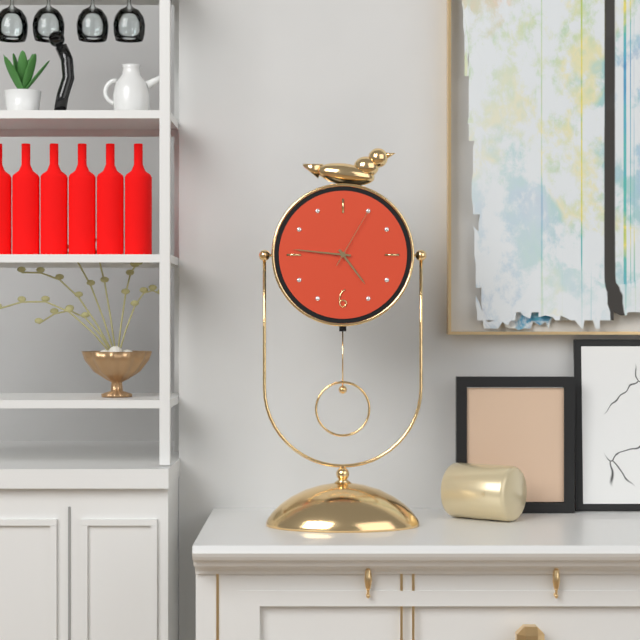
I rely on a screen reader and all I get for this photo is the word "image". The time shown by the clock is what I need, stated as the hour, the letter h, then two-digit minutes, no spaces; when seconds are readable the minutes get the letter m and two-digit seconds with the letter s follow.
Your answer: 4h46m05s
